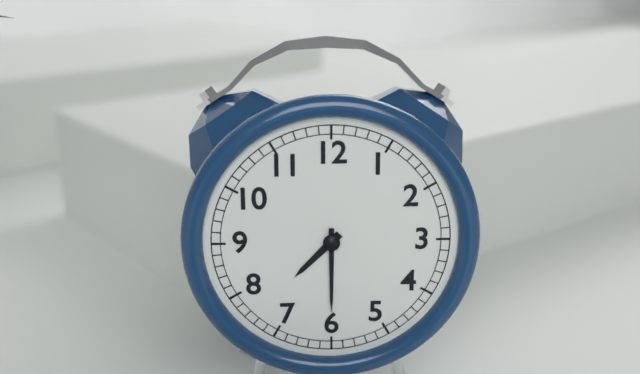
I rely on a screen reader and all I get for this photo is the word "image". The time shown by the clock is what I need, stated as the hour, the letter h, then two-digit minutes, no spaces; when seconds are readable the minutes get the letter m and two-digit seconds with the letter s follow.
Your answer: 7h30
